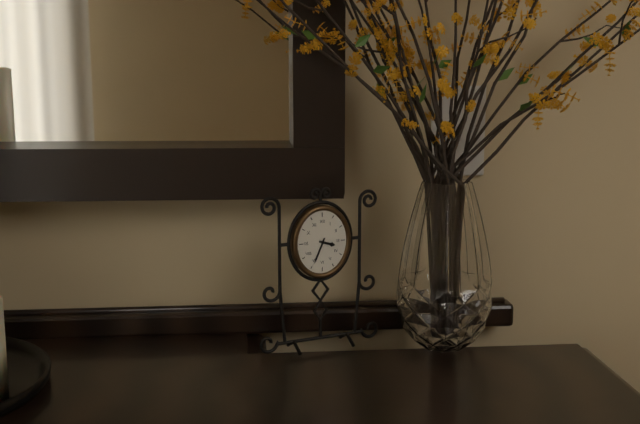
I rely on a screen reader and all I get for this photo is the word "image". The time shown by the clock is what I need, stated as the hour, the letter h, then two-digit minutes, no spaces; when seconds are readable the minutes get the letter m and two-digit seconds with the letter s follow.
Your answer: 3h34
